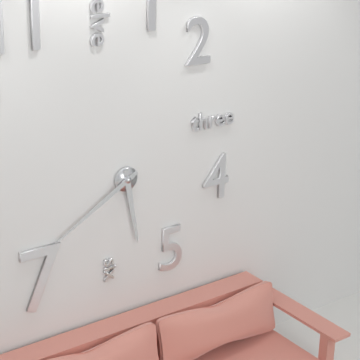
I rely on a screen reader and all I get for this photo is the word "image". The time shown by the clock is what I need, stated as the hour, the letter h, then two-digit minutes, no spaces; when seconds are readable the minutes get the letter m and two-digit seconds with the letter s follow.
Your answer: 5h40
